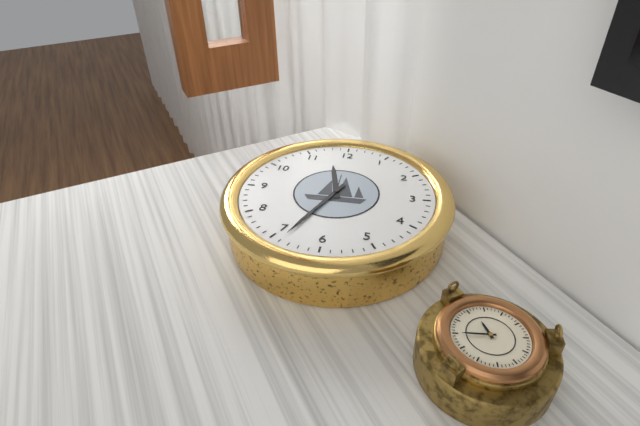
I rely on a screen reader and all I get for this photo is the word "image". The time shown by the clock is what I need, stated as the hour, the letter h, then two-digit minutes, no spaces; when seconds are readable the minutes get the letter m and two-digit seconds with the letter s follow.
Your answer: 11h34
